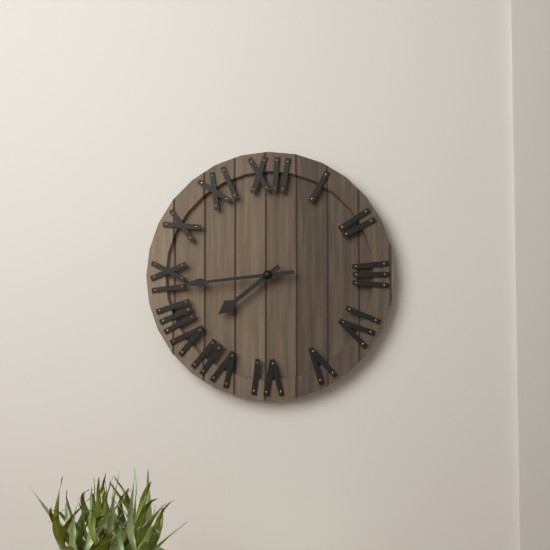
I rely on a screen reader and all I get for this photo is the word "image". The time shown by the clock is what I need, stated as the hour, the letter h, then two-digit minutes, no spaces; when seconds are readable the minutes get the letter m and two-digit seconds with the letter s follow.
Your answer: 7h44
